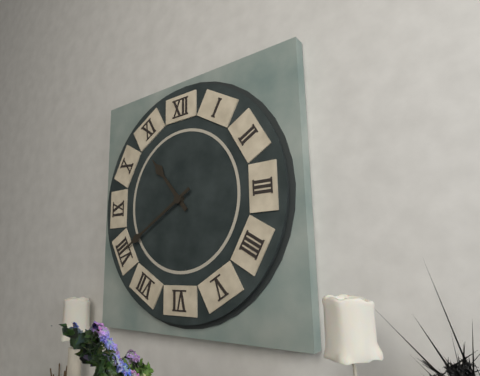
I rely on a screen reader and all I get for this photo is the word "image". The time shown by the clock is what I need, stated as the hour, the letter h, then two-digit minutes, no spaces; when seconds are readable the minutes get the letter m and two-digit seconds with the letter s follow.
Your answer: 10h40
